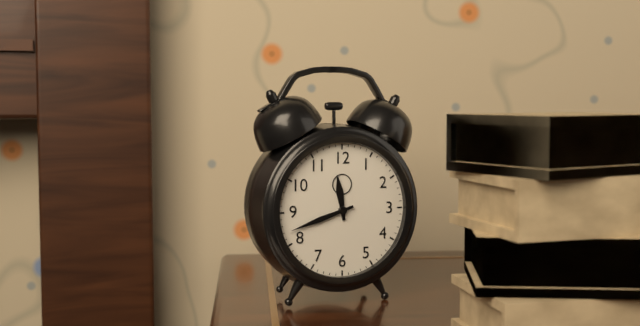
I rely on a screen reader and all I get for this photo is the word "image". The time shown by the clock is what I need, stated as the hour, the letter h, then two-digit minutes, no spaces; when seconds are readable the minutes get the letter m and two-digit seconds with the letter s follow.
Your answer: 11h42
